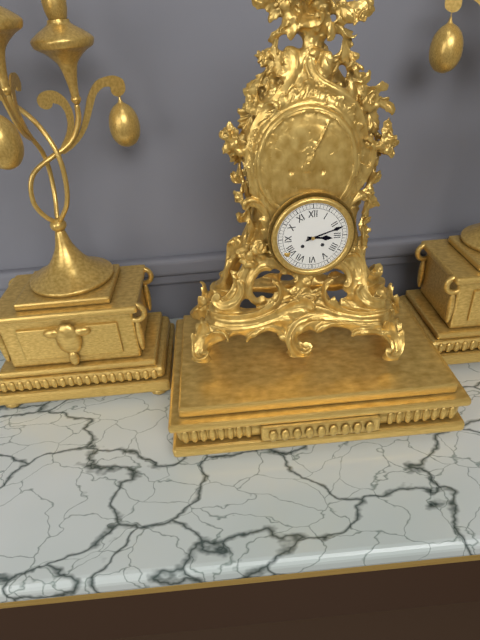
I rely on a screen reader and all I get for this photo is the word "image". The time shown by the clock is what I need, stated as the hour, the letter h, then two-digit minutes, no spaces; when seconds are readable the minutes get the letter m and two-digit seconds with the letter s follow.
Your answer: 3h12
